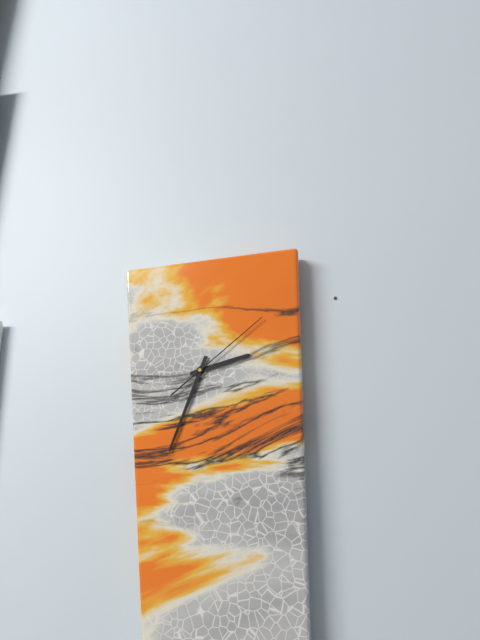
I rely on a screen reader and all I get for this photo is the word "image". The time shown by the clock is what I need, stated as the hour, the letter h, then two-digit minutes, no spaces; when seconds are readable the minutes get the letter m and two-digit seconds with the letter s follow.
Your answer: 2h34m09s
